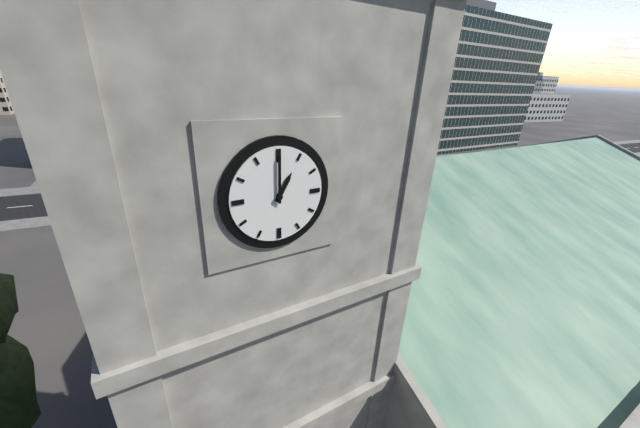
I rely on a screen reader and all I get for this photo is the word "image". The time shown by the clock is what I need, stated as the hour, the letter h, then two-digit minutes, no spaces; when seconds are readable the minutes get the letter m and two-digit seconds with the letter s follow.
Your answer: 1h00
